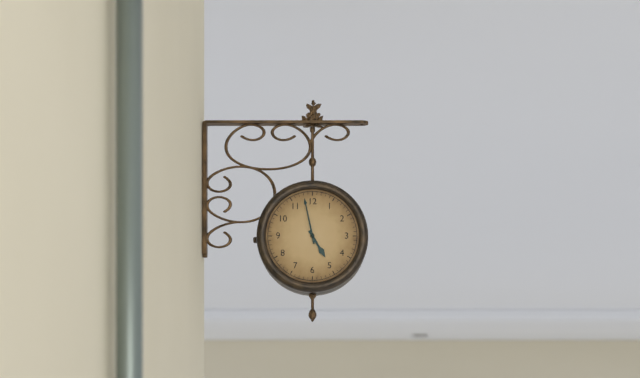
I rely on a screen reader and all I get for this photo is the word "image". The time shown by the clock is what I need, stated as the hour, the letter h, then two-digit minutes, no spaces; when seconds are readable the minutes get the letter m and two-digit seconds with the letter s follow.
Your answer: 4h58
